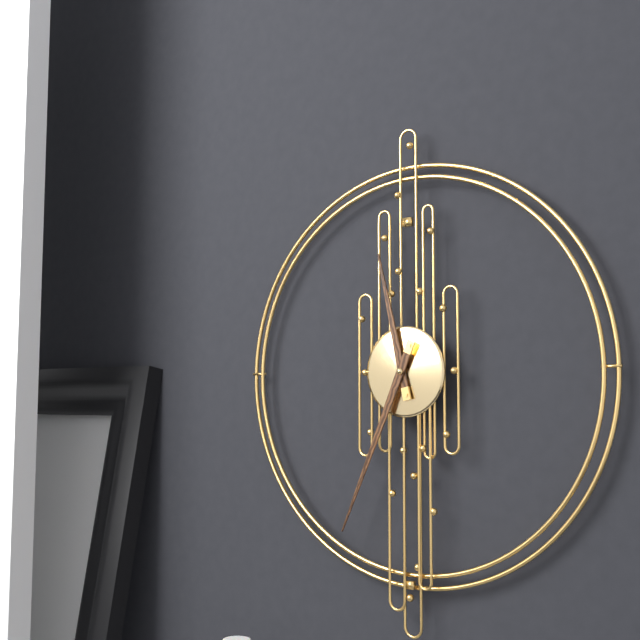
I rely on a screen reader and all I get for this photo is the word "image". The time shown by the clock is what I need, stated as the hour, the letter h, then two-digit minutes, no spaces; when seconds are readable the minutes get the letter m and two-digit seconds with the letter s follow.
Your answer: 11h34
